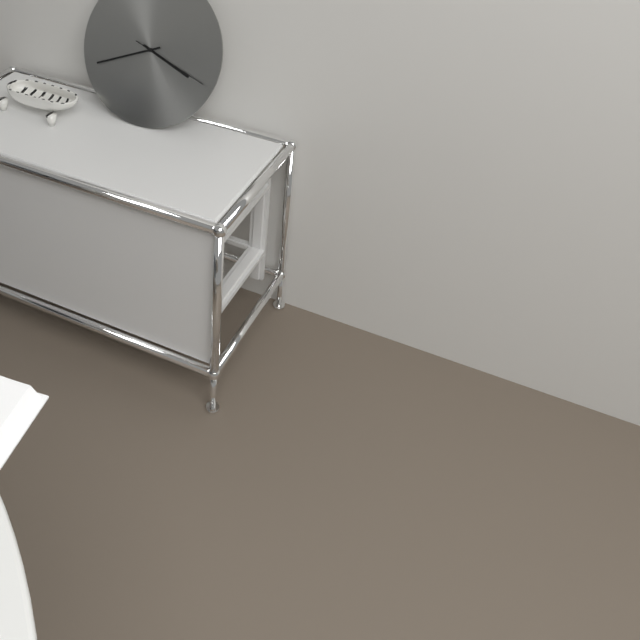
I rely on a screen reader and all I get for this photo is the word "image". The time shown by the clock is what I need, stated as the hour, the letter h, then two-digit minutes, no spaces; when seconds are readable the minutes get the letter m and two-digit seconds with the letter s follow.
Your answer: 3h41m18s
